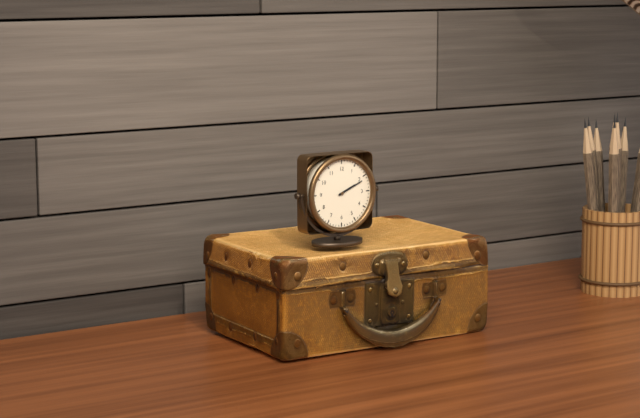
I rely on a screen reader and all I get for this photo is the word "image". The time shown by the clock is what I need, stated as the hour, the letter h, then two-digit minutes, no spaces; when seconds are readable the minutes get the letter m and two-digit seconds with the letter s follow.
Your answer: 2h11
